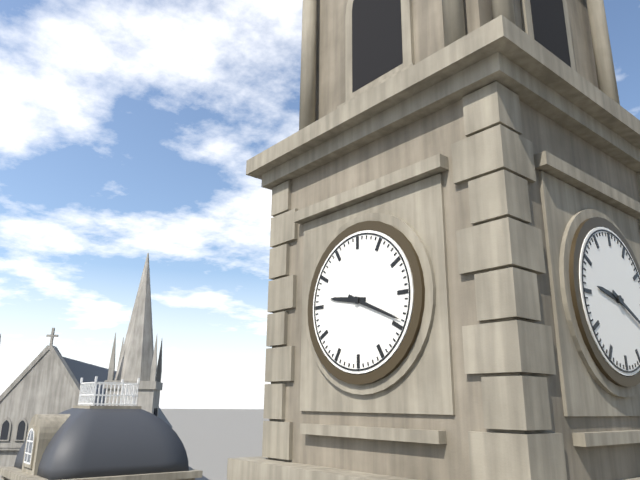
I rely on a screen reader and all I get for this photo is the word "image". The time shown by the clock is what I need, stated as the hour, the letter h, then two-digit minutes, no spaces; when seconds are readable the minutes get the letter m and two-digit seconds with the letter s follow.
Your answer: 9h19
